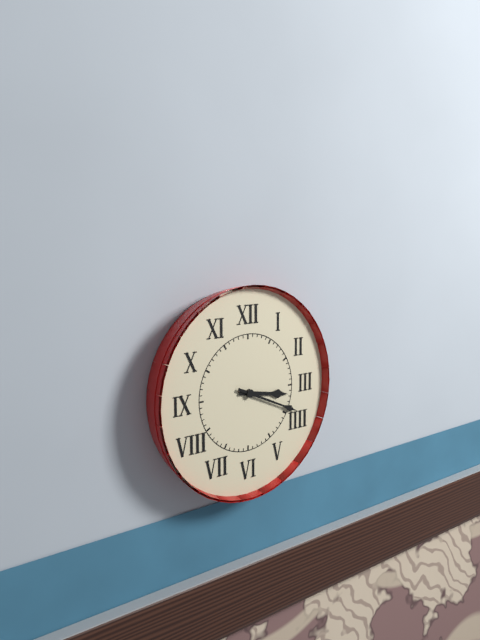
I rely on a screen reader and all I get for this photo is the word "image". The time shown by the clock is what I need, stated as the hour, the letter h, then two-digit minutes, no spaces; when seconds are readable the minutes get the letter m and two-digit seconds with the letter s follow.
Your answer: 3h19
